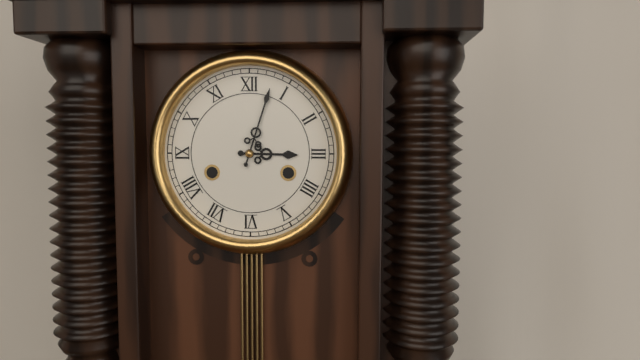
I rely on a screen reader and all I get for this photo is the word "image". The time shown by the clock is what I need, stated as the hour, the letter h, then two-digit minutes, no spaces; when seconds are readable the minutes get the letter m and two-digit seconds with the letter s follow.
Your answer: 3h03
